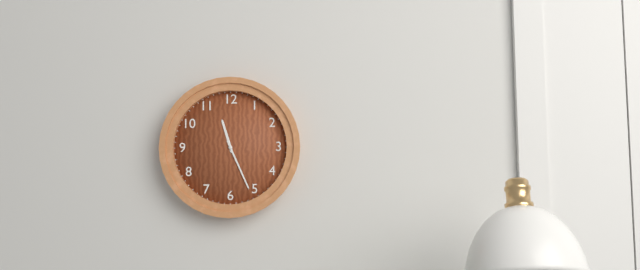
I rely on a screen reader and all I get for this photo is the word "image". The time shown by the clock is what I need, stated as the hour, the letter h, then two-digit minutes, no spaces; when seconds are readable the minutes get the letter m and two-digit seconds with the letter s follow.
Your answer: 11h26
